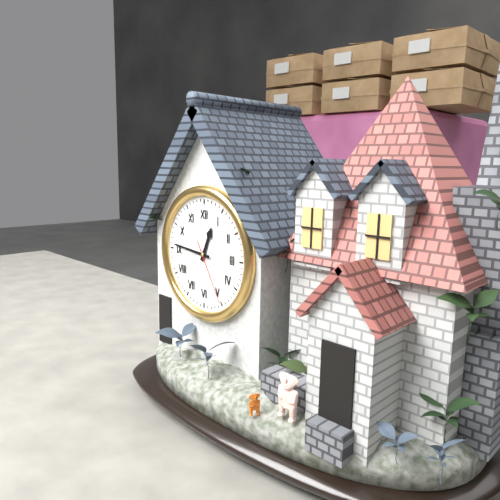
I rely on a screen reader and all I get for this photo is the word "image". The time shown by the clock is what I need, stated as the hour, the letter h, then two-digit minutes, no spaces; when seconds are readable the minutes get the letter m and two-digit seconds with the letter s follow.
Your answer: 12h46m25s
